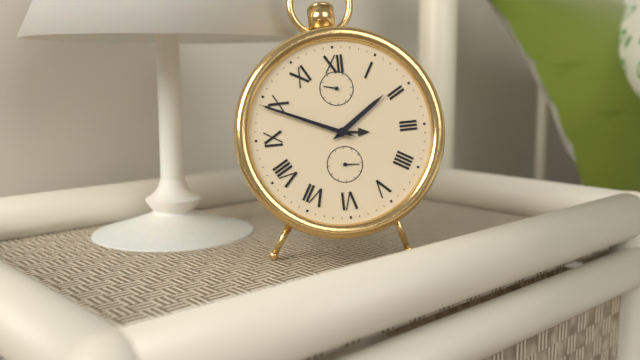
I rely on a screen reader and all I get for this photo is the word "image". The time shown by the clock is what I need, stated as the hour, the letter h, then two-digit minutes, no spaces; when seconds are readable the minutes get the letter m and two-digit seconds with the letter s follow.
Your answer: 1h49
